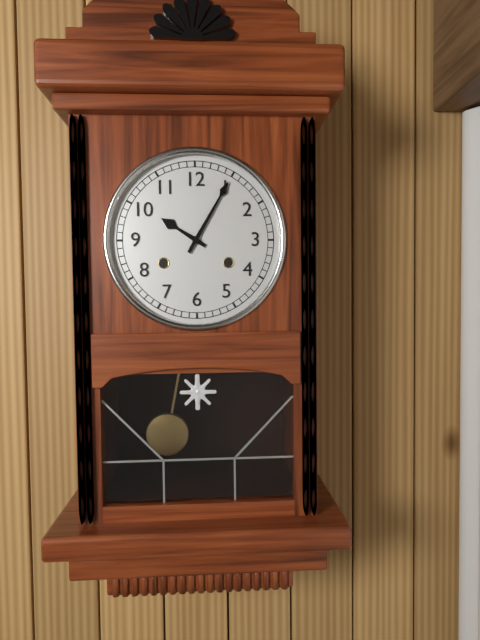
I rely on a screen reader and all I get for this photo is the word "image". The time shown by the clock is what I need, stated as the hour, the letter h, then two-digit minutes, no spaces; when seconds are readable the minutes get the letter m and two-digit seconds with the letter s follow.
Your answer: 10h05
